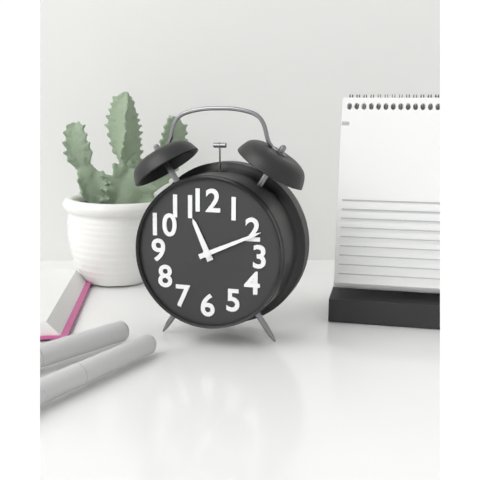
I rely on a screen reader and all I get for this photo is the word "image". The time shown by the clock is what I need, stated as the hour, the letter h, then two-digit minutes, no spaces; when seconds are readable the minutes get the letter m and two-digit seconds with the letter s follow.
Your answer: 11h11
